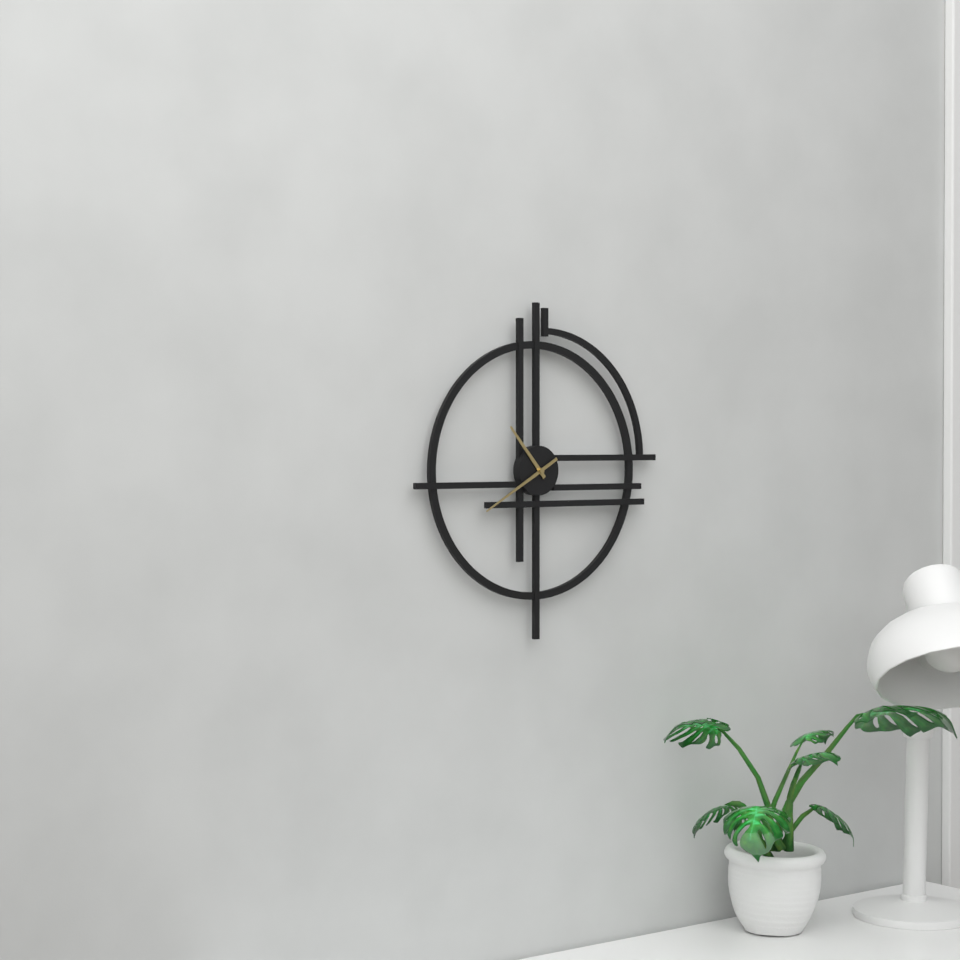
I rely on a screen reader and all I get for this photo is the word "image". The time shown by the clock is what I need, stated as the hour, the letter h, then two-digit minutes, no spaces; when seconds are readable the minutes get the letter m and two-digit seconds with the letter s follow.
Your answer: 10h40
